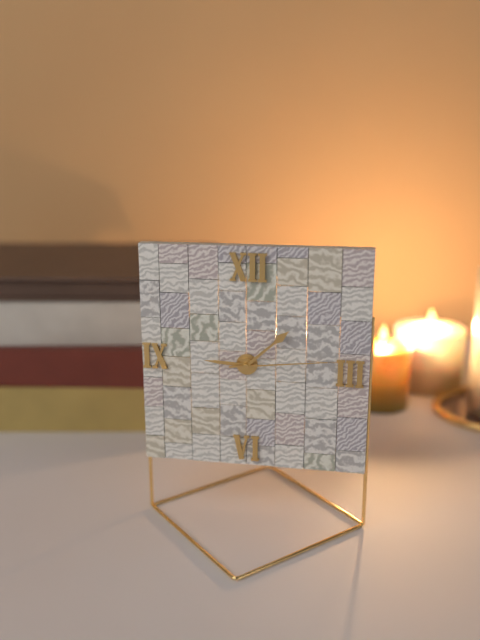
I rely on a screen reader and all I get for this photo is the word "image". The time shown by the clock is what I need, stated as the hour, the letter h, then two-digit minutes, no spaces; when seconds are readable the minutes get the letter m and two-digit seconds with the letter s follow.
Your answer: 9h08m14s
